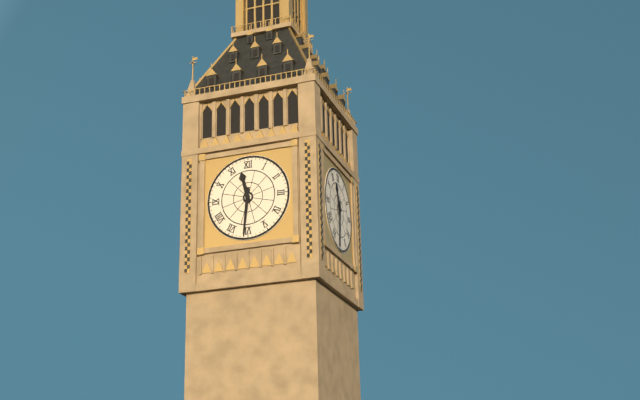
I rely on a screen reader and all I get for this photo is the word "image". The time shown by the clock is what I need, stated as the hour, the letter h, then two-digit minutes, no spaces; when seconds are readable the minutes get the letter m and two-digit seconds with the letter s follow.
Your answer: 11h31
